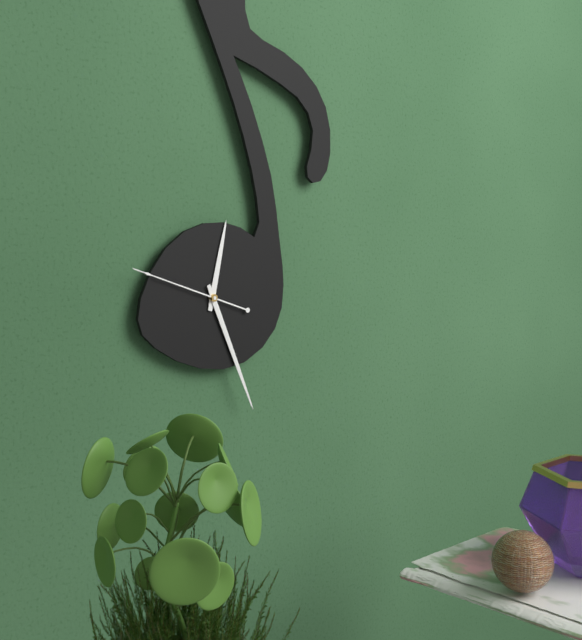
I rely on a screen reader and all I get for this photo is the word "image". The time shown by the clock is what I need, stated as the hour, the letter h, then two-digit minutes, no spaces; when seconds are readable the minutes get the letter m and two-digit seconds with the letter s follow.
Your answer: 12h26m48s
